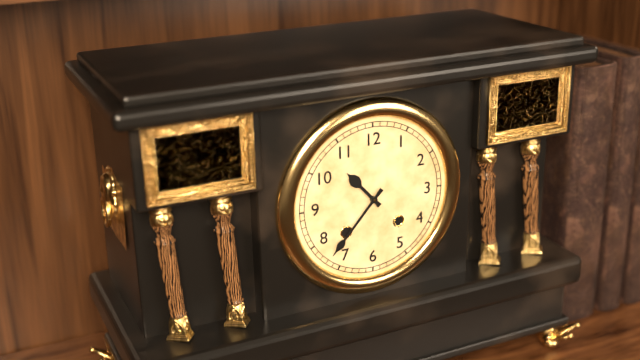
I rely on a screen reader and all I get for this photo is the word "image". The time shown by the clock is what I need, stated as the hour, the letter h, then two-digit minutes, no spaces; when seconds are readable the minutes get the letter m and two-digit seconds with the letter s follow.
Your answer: 10h37
